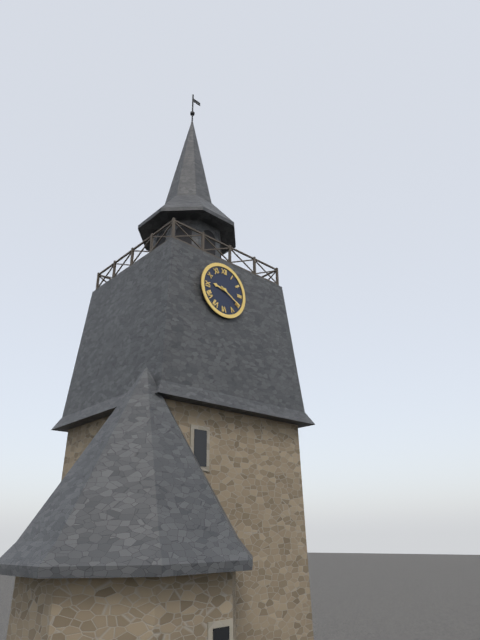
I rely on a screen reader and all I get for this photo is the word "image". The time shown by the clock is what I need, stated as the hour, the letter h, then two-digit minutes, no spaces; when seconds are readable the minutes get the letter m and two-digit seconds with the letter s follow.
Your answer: 9h20
